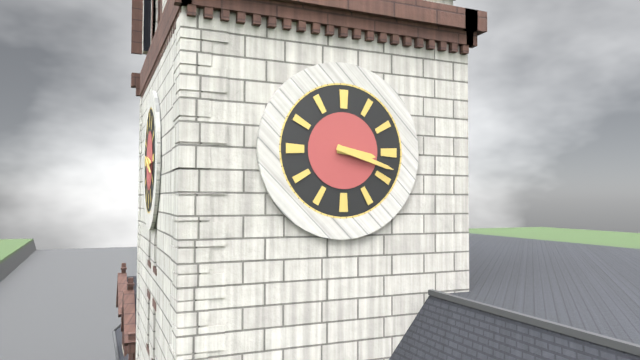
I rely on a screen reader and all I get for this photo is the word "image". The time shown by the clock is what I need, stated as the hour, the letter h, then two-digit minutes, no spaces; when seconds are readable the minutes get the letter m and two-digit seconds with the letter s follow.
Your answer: 3h18
